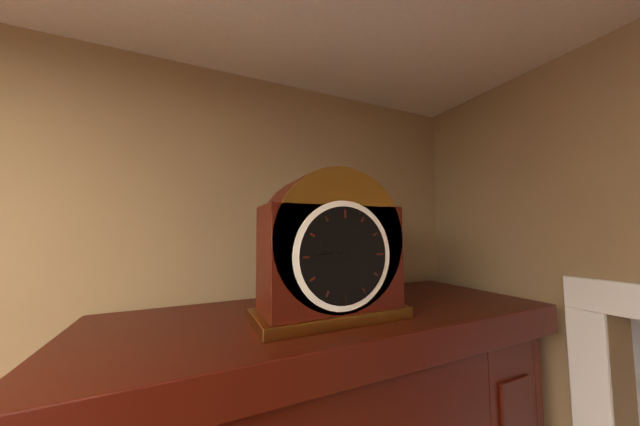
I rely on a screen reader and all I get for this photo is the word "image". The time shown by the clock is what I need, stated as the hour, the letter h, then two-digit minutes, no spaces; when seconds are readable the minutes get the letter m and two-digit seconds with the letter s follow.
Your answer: 9h45
